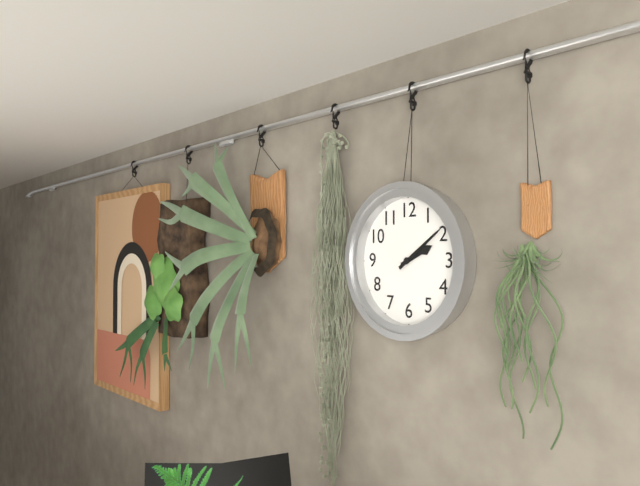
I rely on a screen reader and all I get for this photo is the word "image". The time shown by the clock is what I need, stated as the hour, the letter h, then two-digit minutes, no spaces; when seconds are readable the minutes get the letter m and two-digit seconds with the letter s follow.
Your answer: 2h09
